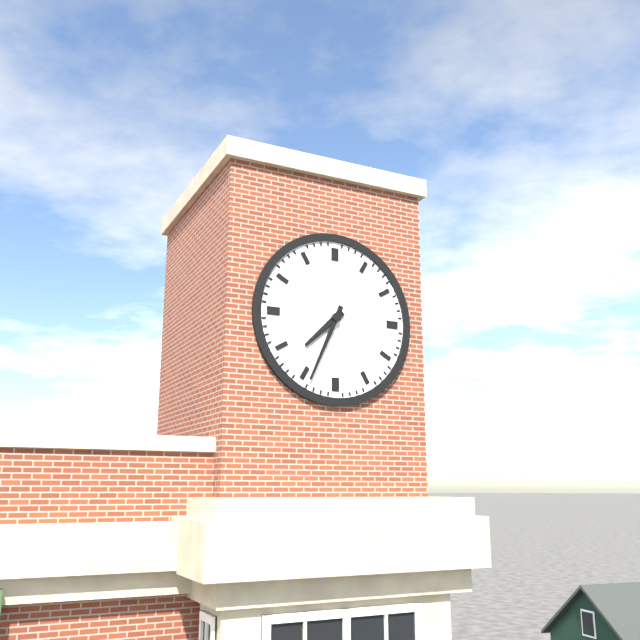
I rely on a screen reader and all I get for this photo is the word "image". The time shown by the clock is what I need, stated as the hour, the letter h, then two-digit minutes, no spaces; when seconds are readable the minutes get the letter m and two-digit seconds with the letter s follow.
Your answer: 7h34
